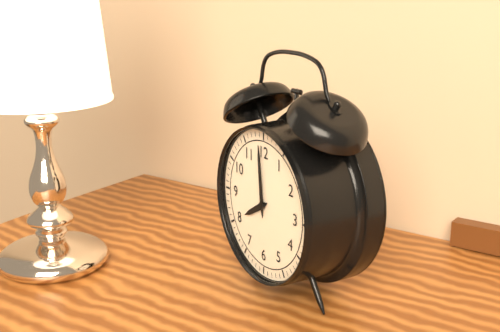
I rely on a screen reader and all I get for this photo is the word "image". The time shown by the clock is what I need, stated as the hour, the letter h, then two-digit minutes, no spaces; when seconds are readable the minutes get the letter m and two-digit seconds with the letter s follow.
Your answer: 7h59
